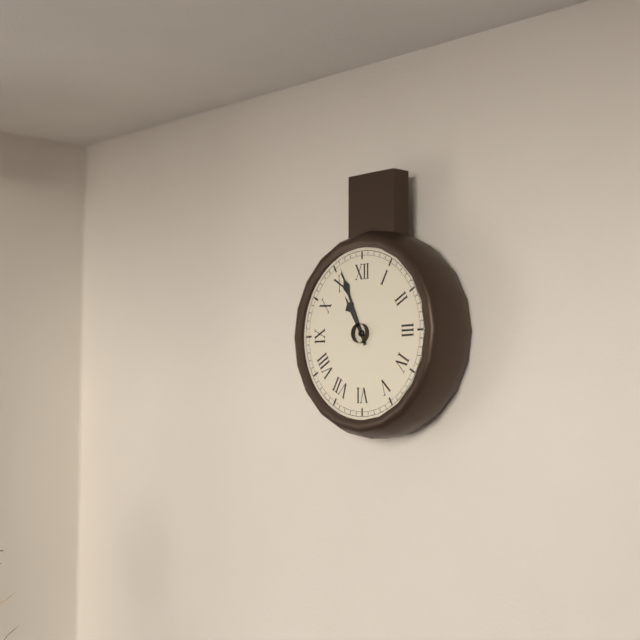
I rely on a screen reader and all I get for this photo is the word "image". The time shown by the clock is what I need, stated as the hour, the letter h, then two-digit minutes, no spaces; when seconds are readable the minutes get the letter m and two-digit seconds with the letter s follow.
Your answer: 10h56
